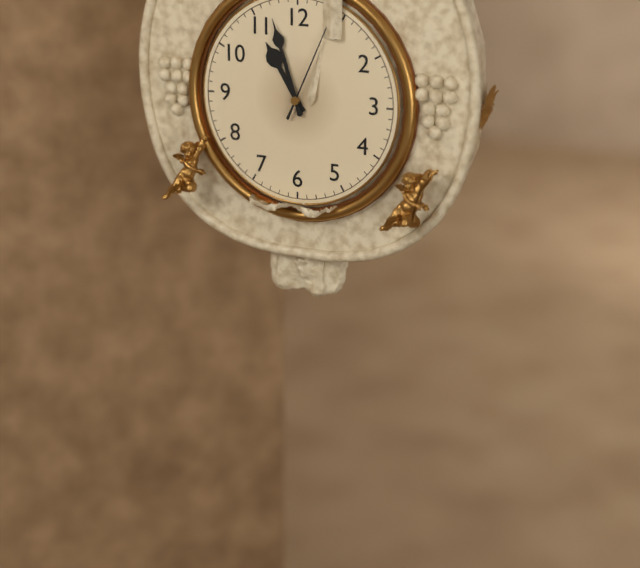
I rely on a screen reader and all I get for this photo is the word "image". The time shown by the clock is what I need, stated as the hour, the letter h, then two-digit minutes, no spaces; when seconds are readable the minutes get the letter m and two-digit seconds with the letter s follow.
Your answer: 10h57m04s
